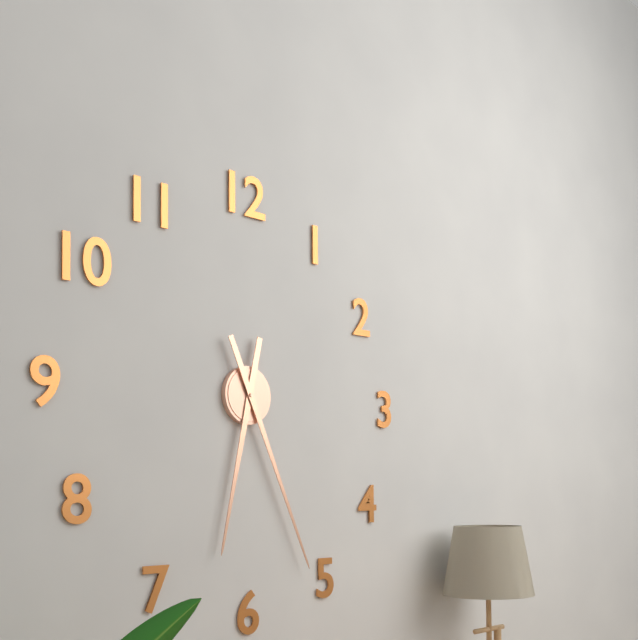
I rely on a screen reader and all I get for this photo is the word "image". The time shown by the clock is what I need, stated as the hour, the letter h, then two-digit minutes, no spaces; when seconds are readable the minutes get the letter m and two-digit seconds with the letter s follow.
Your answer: 6h26
